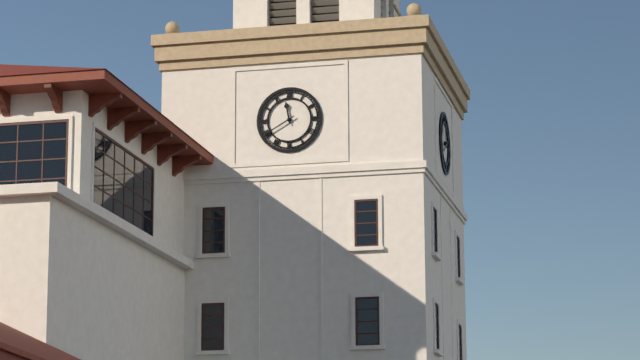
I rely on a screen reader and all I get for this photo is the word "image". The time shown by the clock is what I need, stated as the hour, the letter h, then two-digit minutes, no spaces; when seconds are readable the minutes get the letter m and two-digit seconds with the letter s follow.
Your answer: 11h40
